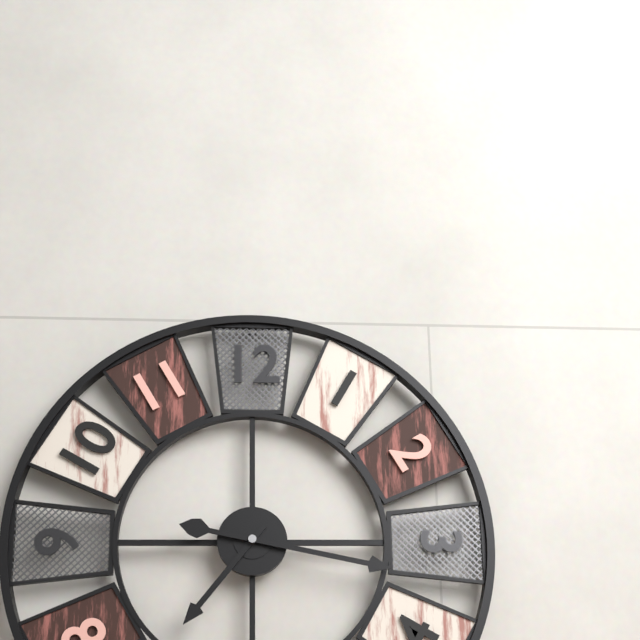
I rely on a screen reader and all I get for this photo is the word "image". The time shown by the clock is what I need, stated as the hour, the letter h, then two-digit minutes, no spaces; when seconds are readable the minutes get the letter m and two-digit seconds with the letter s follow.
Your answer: 7h17
